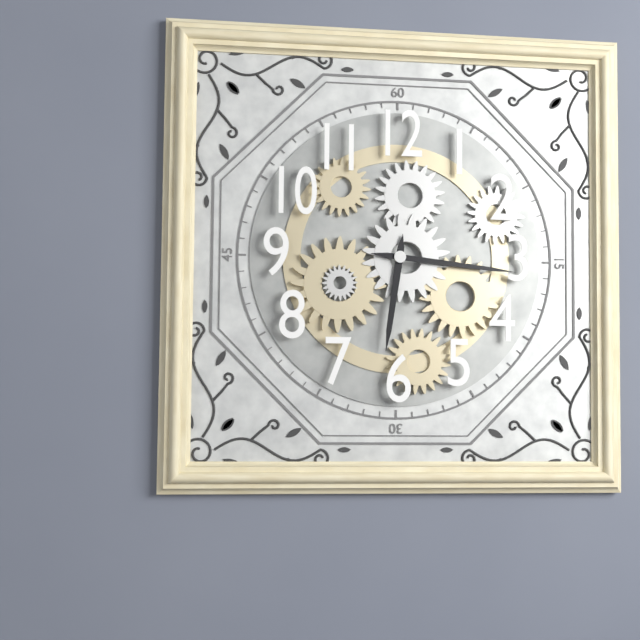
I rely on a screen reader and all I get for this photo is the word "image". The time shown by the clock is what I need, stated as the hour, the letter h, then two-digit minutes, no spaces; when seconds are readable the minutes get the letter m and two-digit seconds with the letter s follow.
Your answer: 6h16
